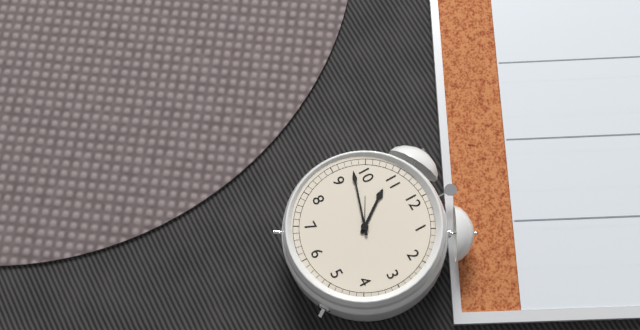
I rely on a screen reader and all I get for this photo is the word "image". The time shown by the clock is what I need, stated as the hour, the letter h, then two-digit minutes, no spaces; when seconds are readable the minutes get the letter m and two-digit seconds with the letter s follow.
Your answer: 10h48
